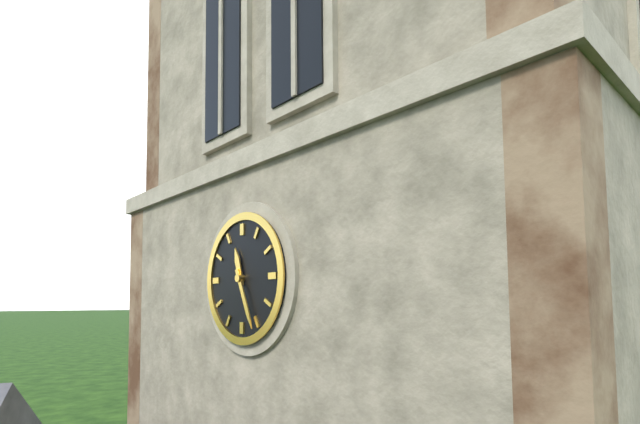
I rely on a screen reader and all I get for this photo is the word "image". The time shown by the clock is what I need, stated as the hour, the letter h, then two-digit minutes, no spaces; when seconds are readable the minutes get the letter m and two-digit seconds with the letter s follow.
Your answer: 11h26
